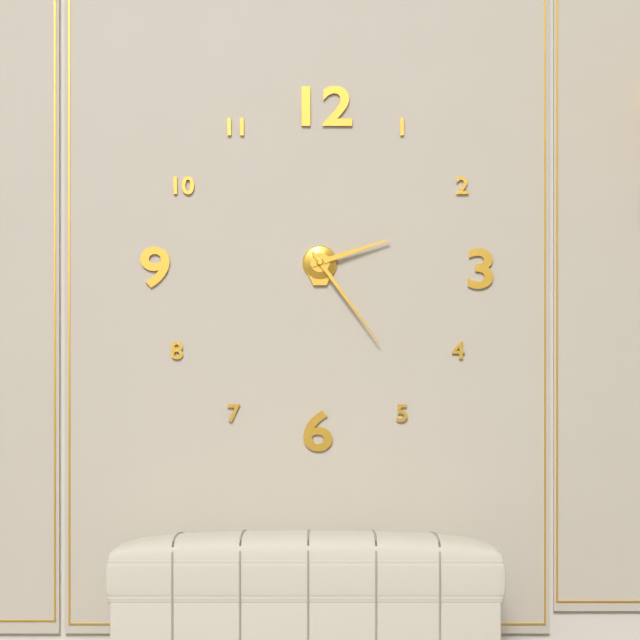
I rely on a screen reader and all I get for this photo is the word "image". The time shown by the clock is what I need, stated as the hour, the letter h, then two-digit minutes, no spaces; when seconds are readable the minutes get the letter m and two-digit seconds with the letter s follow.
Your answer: 2h24
